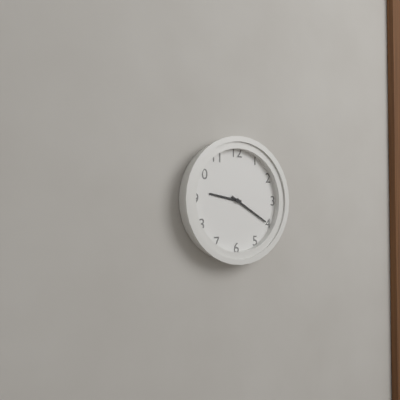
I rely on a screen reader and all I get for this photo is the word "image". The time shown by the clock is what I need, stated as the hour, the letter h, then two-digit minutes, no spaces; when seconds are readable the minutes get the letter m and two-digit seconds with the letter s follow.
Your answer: 9h20
